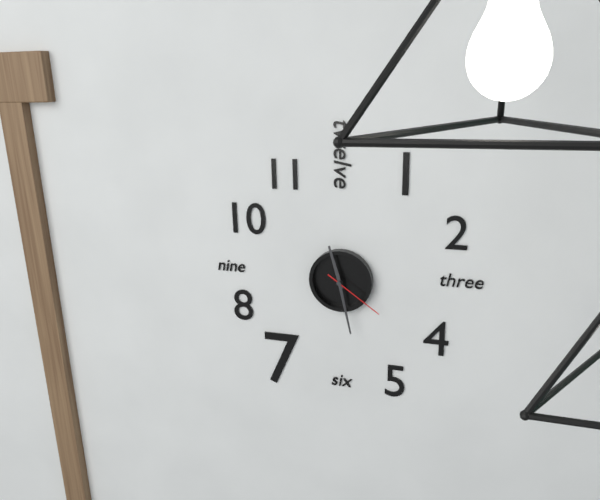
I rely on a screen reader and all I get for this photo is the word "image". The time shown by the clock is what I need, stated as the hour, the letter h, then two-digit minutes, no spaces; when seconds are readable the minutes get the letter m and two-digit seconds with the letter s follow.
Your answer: 11h28m21s
